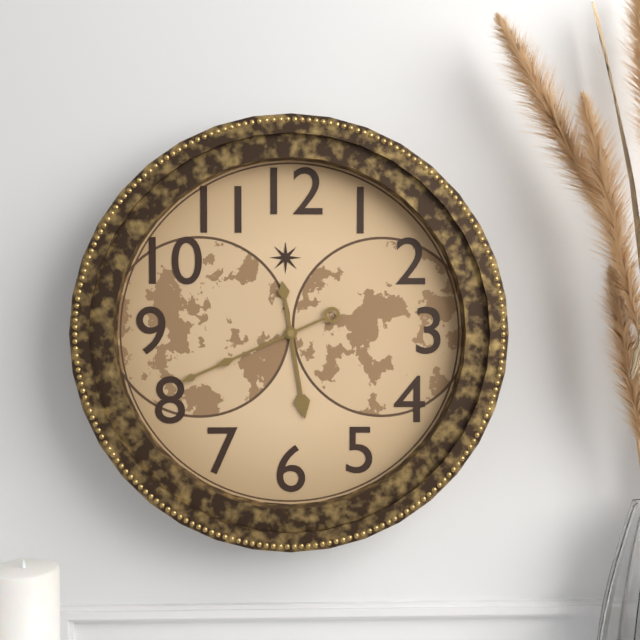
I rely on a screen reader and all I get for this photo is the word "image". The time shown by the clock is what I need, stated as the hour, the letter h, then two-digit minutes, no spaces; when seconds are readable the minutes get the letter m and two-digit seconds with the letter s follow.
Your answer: 5h41
